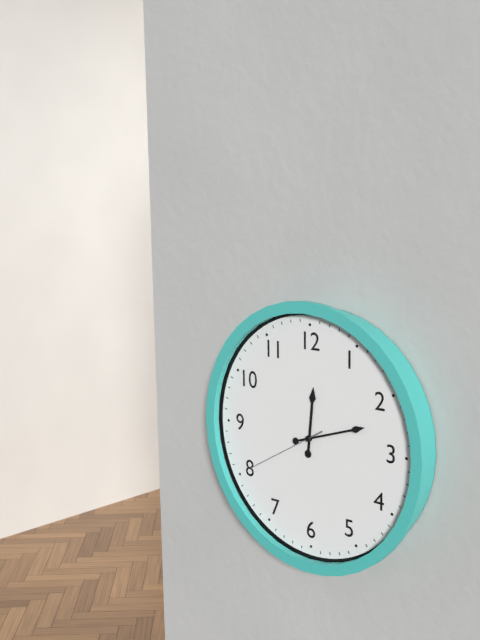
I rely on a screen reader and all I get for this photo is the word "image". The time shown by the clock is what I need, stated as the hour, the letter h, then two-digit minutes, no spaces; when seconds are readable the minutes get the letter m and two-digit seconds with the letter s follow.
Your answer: 12h12m40s
